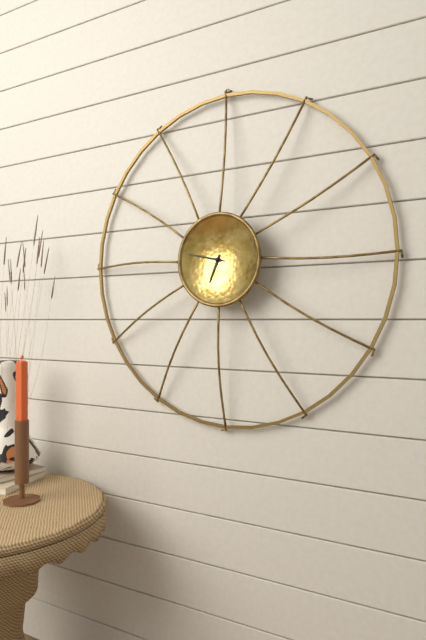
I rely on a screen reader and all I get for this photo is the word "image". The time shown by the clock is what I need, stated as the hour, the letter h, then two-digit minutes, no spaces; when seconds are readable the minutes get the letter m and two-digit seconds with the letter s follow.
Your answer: 6h47
